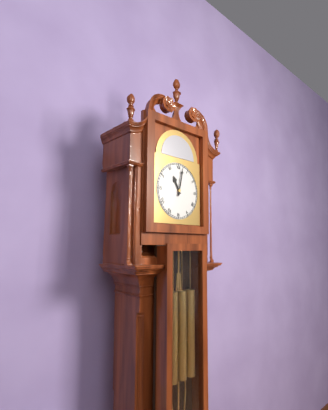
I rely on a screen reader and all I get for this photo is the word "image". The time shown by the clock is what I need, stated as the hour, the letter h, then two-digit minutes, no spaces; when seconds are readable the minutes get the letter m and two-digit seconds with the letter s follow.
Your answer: 11h02
